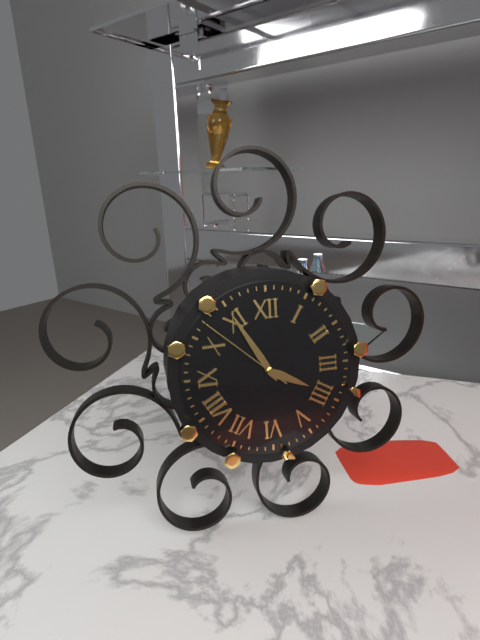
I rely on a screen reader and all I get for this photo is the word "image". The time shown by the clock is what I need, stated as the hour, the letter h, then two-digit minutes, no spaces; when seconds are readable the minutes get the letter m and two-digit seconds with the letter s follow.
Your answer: 3h55m52s
